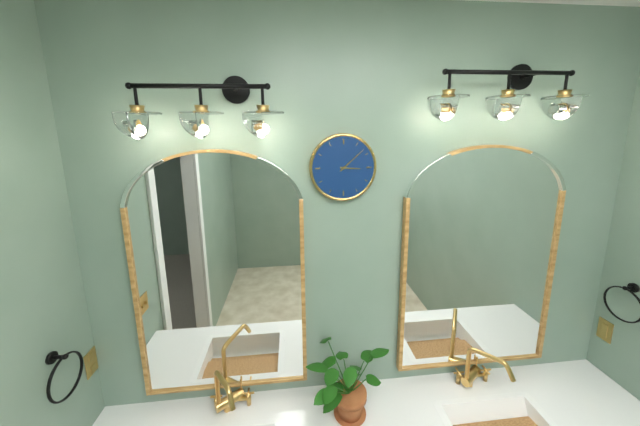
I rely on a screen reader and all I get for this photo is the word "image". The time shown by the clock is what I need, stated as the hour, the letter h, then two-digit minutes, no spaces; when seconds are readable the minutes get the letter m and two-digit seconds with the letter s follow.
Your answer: 3h08
